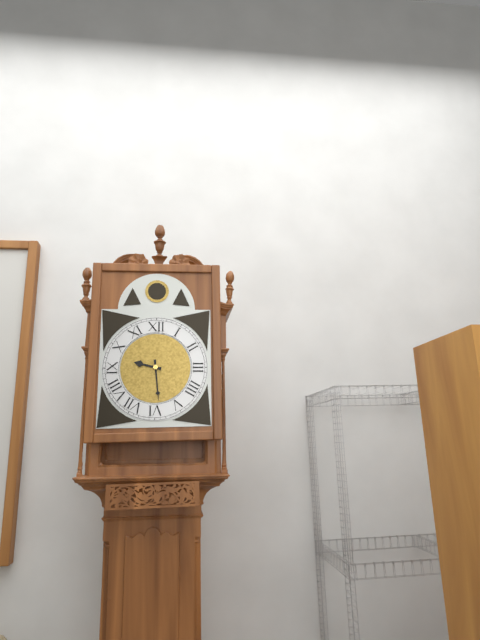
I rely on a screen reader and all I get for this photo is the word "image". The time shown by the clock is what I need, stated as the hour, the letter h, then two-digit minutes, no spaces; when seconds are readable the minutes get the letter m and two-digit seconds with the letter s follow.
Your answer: 9h29
